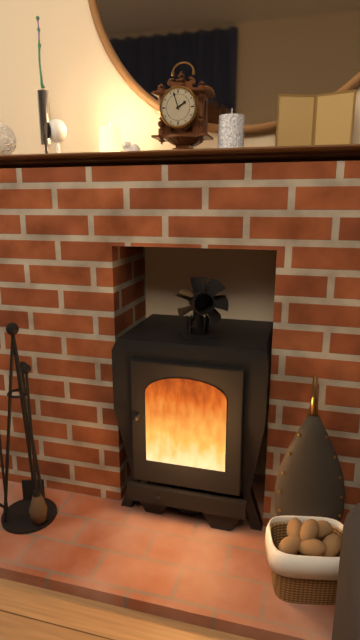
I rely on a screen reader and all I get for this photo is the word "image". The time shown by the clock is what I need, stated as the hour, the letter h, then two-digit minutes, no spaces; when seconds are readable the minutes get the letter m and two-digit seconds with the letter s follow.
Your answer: 1h57
